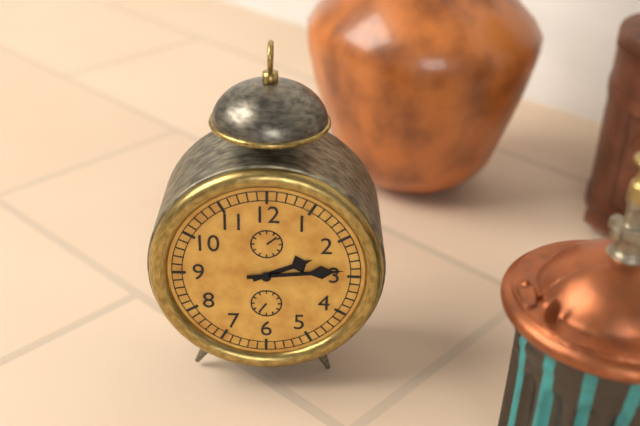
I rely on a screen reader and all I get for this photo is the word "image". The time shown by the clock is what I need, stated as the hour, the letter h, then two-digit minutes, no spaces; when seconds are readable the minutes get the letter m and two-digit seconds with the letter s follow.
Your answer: 2h14
